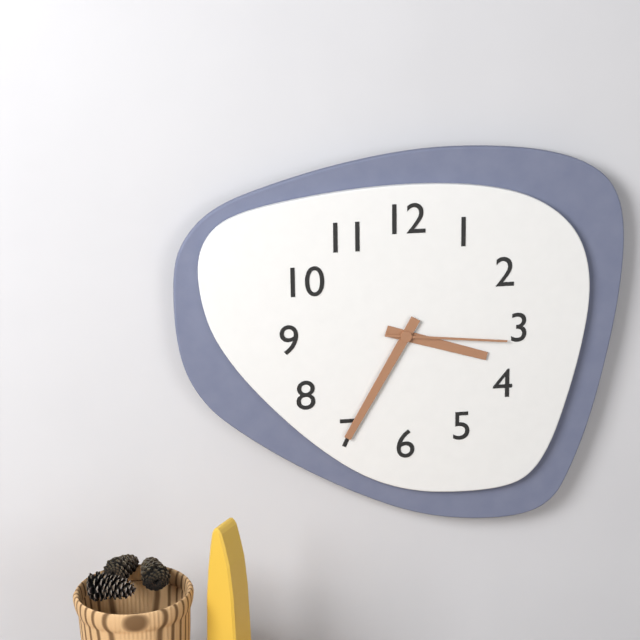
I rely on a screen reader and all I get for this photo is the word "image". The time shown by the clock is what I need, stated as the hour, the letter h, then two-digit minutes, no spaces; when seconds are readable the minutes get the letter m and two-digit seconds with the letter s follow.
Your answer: 3h35m16s
